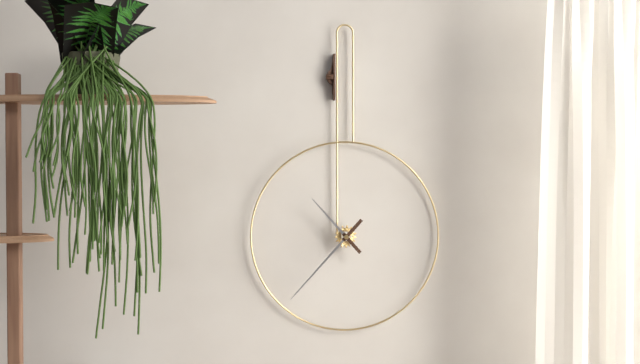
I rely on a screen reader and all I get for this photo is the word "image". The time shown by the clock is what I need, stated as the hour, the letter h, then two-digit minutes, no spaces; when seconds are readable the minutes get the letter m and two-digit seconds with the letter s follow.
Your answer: 10h37
